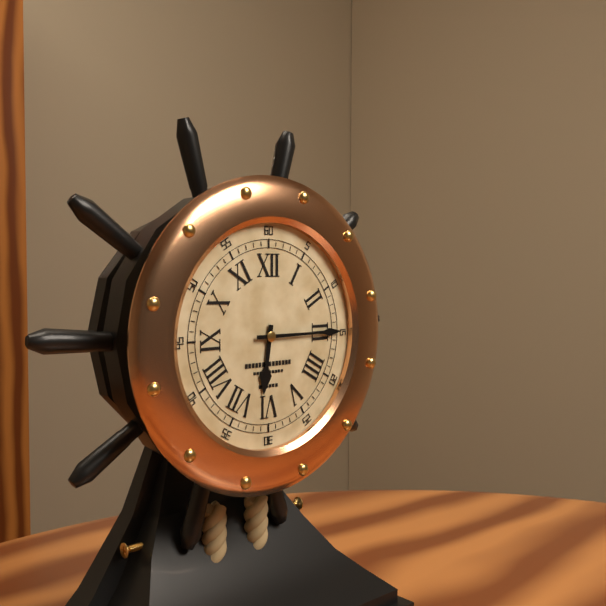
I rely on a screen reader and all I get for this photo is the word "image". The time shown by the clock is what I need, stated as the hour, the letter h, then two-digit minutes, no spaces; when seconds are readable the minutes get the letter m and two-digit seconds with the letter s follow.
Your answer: 6h15
